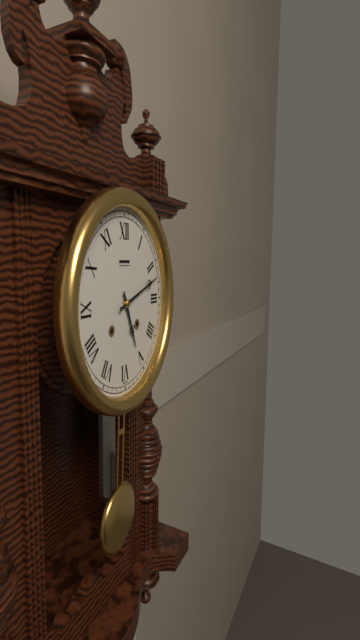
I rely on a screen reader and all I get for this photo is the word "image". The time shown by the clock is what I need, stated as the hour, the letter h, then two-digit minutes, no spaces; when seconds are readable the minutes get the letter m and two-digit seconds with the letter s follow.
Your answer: 5h12
